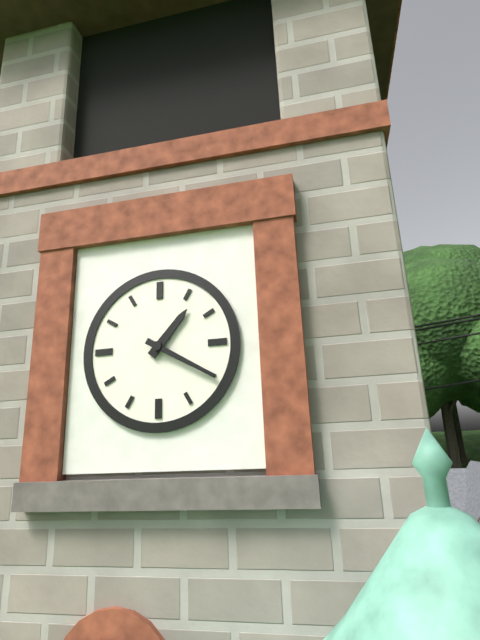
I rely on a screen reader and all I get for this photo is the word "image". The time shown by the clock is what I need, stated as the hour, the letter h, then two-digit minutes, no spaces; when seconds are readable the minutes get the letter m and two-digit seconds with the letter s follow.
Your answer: 1h20
